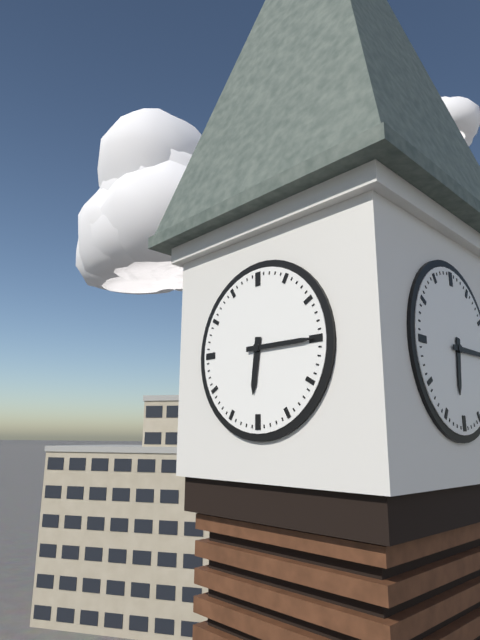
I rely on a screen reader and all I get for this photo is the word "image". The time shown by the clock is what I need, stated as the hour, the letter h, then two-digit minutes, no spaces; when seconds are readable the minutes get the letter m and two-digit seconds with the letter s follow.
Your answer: 6h15
